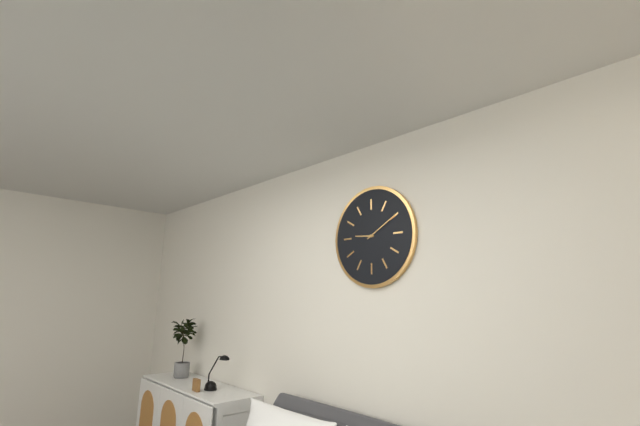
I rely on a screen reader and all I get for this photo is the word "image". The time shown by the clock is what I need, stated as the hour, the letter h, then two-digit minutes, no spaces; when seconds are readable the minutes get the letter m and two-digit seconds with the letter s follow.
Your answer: 9h10
